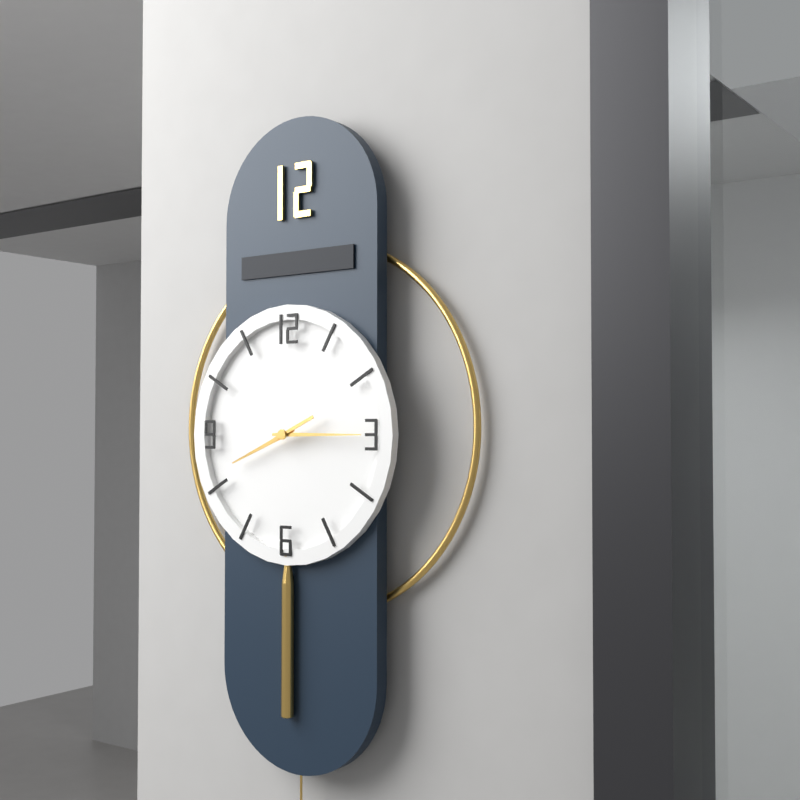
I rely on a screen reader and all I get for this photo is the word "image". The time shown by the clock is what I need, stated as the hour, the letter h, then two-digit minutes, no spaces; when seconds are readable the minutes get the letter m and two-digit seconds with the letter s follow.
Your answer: 8h15
